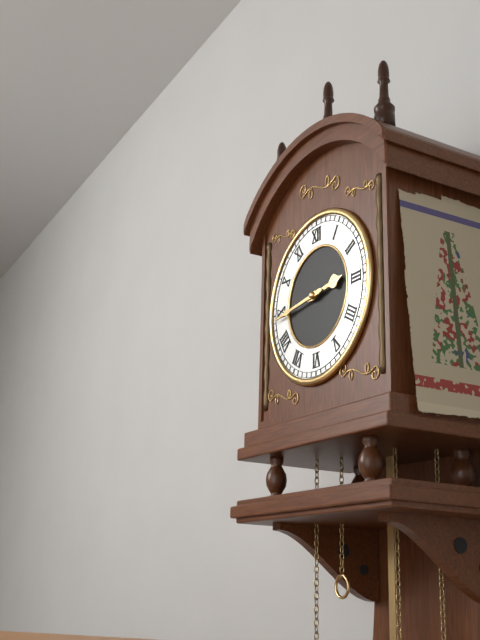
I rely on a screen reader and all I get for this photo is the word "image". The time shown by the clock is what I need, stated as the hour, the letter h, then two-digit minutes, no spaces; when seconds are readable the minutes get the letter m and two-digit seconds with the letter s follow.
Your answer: 2h44
